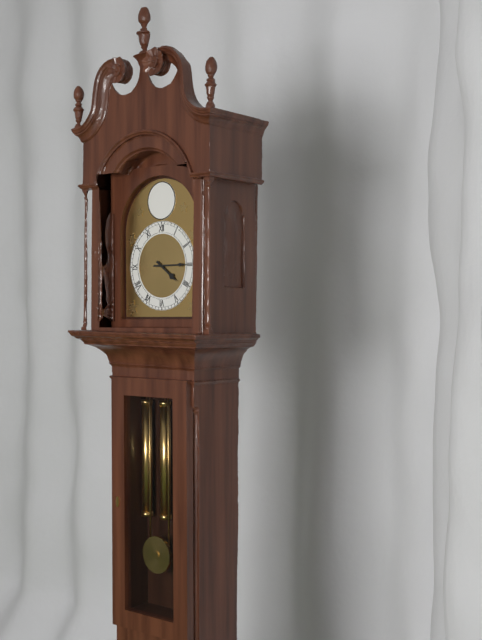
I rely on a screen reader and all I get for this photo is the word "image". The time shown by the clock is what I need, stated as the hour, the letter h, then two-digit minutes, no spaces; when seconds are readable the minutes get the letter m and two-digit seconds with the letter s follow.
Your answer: 4h15
